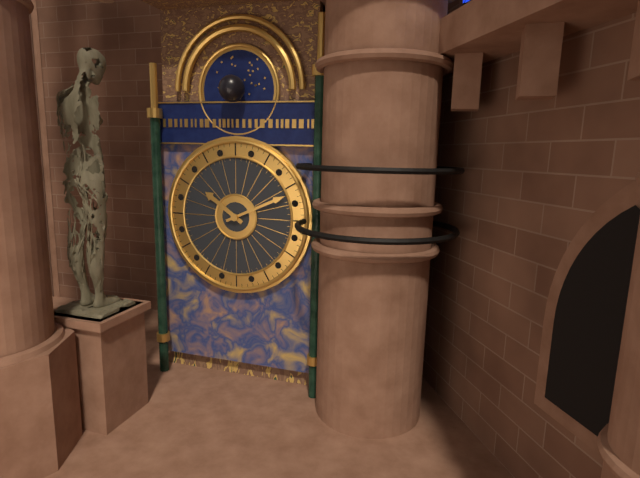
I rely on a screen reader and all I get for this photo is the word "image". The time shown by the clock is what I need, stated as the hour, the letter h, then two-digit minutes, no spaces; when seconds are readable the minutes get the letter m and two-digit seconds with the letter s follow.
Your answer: 10h11
